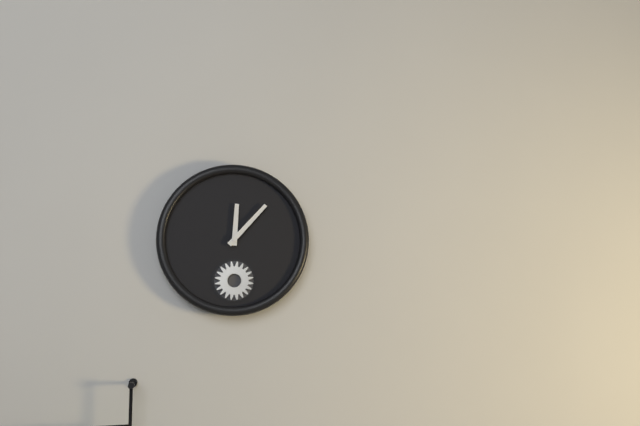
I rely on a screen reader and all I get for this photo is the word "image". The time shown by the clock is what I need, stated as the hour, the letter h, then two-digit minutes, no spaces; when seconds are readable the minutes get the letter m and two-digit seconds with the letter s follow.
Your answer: 12h07
